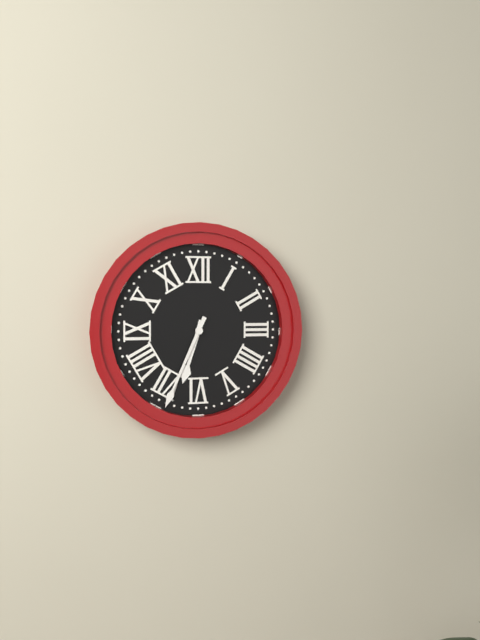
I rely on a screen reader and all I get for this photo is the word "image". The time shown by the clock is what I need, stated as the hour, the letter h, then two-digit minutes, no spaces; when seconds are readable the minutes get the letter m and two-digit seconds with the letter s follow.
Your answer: 6h34
